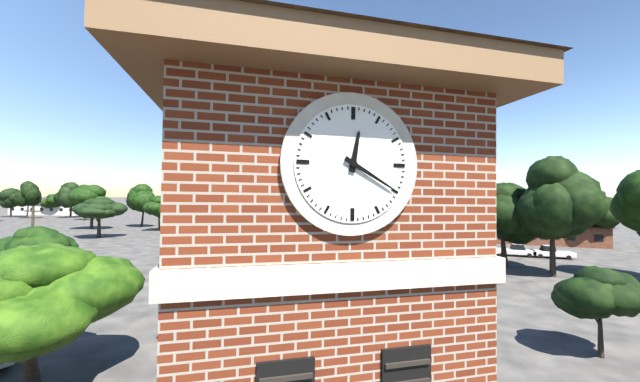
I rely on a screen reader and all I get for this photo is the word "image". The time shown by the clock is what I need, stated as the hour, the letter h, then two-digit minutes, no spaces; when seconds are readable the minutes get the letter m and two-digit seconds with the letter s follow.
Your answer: 12h20
